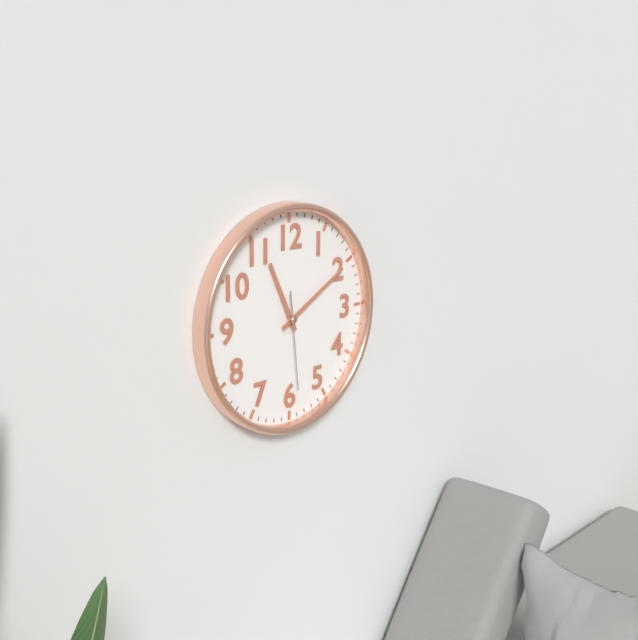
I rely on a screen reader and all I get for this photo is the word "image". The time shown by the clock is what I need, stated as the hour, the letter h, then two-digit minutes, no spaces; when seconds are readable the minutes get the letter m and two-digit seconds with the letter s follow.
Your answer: 11h10m29s
